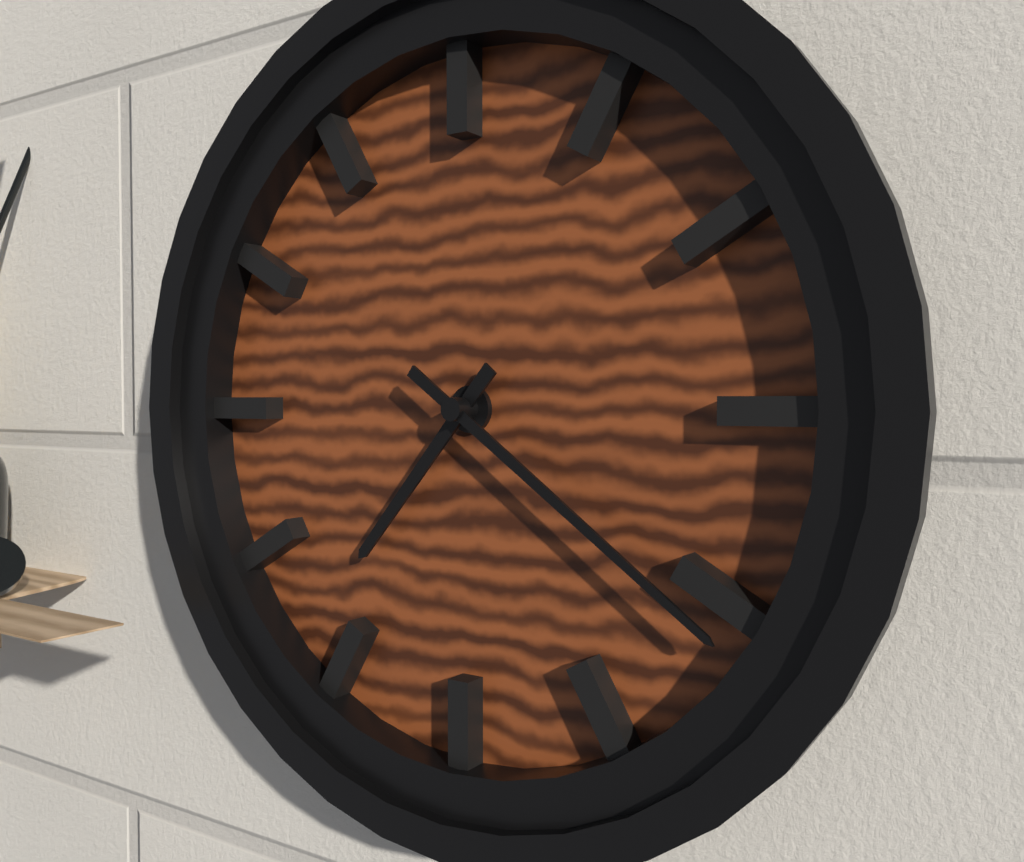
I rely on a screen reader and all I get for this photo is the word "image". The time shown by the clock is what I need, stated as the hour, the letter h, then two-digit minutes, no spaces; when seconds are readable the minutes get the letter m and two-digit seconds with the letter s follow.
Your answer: 7h21
